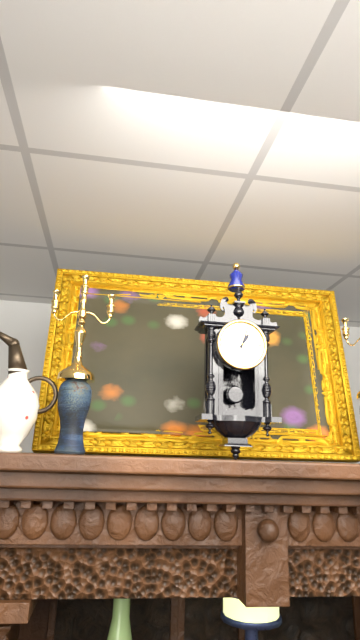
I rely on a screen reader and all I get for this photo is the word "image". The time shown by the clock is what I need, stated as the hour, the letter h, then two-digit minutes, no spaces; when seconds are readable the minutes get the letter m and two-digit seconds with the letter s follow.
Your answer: 1h03
